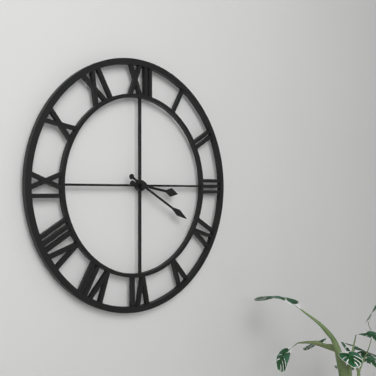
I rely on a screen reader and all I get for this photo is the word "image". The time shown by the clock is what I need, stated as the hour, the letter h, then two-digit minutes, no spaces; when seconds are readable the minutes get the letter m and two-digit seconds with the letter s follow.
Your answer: 3h20
